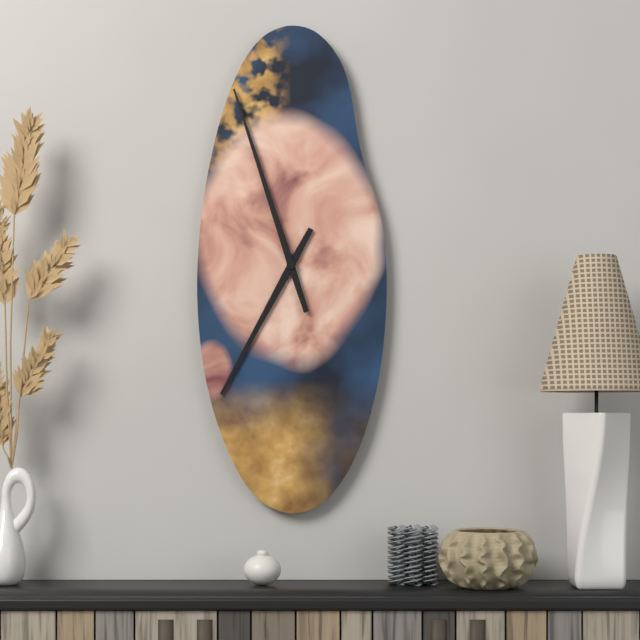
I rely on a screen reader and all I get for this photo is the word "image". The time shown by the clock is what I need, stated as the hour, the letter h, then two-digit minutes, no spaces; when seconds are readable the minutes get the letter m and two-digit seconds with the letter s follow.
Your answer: 6h57
